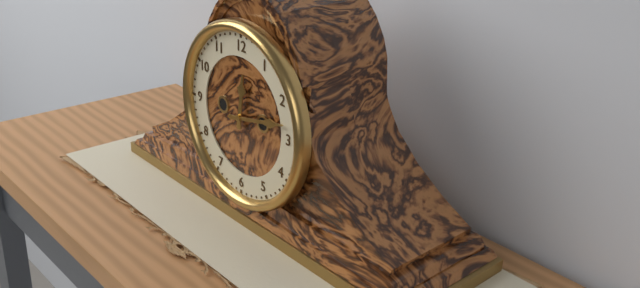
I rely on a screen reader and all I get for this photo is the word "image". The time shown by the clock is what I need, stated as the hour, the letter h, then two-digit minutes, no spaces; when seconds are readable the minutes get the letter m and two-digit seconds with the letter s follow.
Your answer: 12h13
